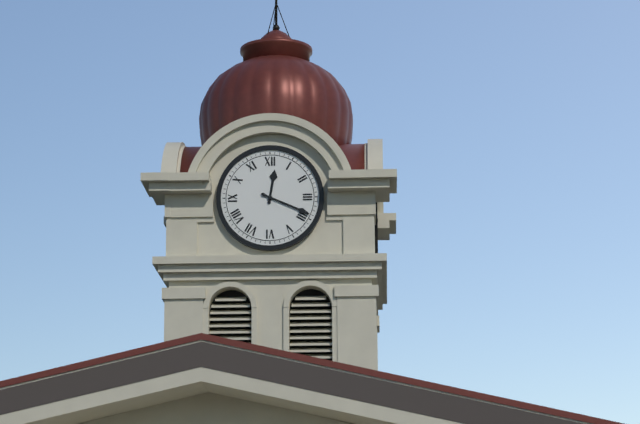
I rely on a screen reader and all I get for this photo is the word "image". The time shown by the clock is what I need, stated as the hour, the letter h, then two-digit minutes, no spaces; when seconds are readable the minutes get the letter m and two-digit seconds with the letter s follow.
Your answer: 12h19
